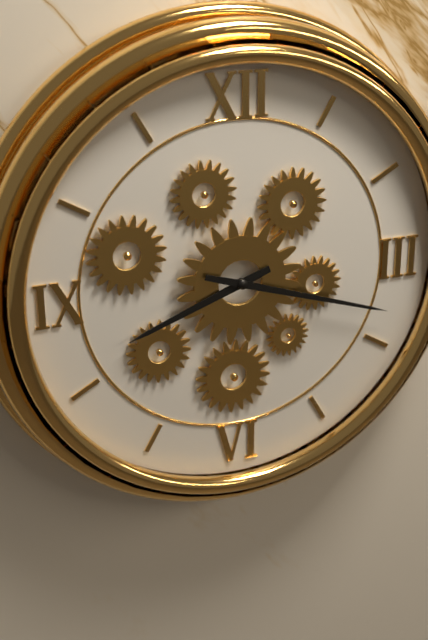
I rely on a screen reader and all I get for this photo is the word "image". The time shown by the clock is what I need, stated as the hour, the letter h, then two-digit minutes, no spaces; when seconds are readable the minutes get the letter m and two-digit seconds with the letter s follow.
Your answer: 8h18
